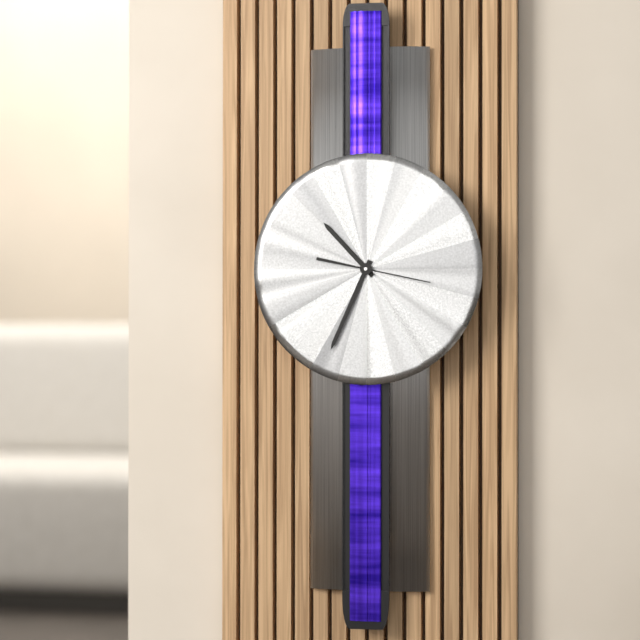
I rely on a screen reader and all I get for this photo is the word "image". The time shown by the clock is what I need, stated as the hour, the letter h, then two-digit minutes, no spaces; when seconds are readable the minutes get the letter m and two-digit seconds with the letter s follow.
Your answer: 10h34m17s
